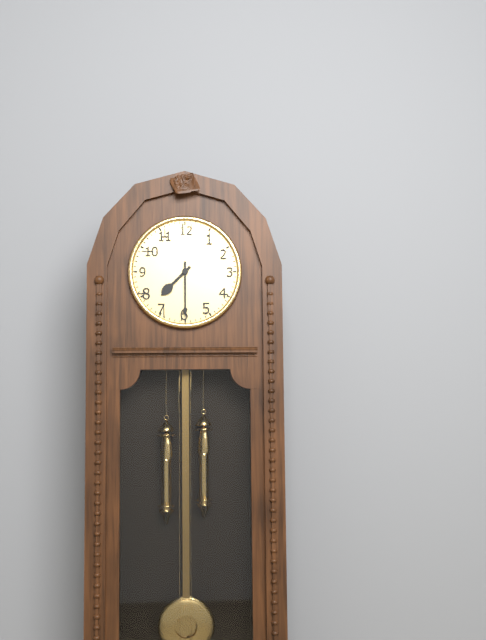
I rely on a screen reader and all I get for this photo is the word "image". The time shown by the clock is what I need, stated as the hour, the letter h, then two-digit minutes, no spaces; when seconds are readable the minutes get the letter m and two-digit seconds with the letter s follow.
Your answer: 7h30
